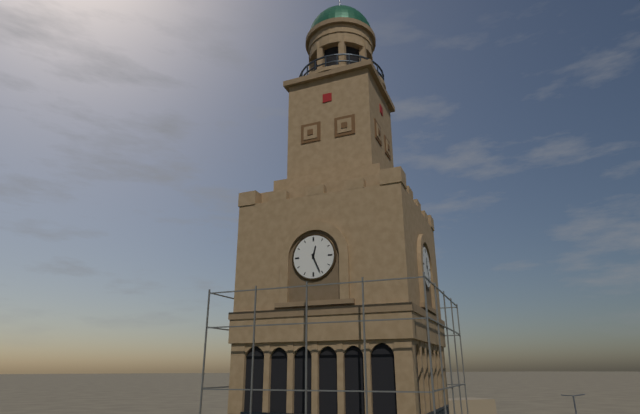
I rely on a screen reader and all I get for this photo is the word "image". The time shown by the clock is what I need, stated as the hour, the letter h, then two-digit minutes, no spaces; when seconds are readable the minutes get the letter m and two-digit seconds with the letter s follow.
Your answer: 12h26
